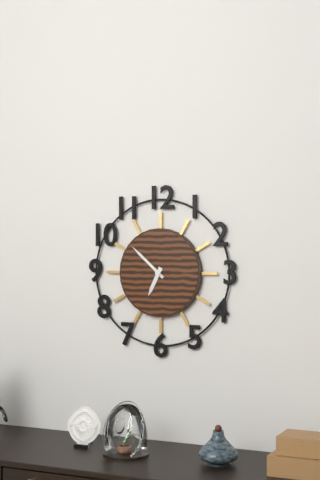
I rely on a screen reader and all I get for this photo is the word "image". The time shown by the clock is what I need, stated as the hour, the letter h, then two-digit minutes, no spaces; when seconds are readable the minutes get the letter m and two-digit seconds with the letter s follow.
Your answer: 6h52
